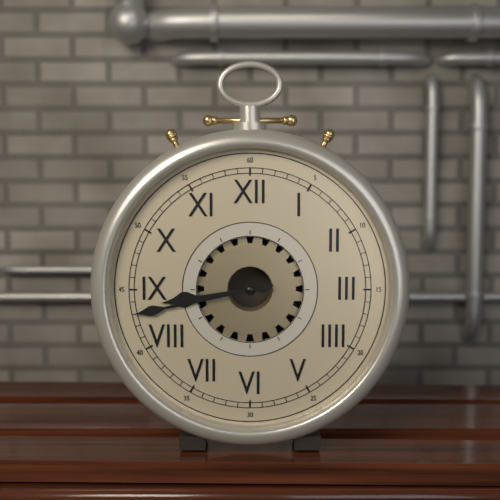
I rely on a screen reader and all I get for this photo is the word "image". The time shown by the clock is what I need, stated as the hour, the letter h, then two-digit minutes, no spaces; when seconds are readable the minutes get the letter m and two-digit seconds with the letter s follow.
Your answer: 8h43
